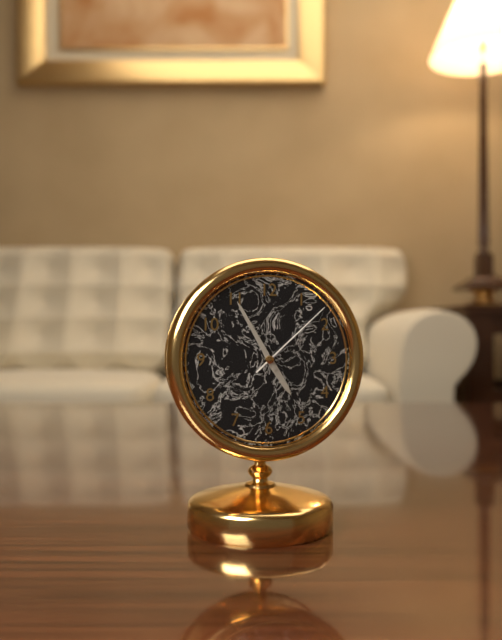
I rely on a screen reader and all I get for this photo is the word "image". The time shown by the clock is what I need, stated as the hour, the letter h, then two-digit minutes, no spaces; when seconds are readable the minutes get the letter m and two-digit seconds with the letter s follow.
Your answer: 4h55m08s
